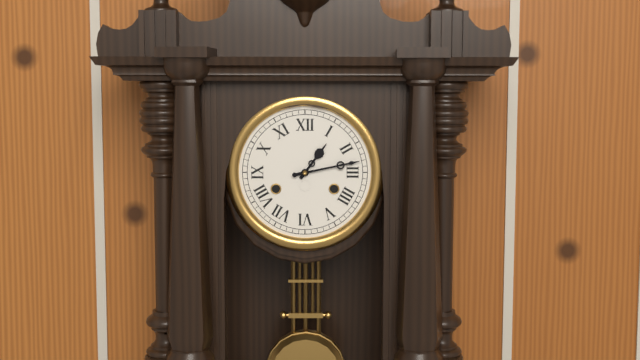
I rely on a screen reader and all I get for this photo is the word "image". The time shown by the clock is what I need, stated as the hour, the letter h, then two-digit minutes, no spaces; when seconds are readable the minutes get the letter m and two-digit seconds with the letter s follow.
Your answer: 1h13
